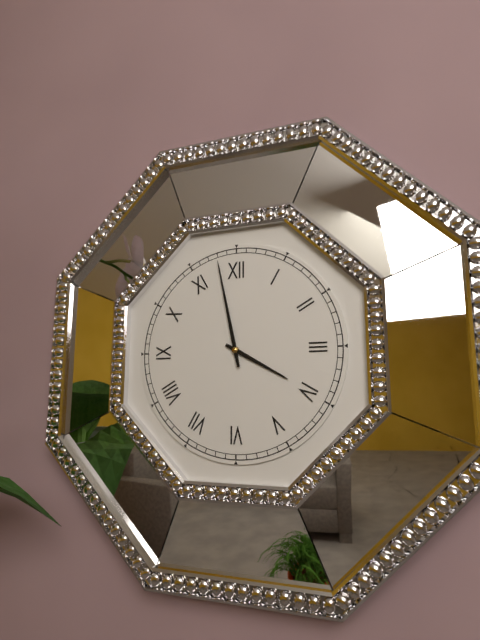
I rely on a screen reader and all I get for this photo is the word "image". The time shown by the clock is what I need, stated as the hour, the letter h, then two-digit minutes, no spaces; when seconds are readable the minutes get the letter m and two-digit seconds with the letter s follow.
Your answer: 3h58
